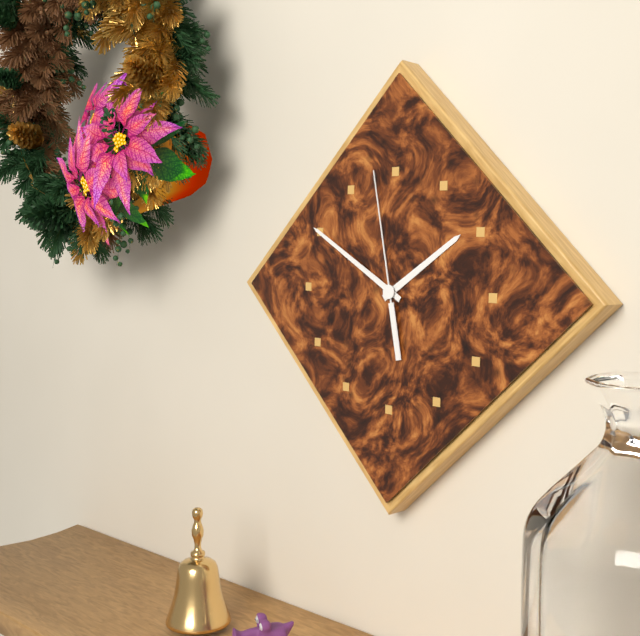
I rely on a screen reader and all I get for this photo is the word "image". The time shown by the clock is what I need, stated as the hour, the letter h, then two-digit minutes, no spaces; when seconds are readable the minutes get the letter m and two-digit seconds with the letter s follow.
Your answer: 1h50m58s
